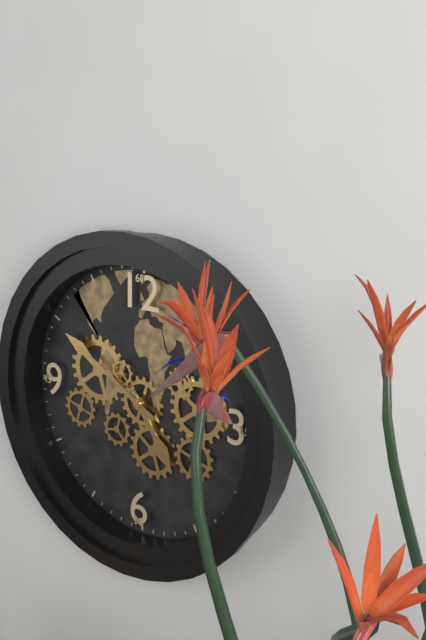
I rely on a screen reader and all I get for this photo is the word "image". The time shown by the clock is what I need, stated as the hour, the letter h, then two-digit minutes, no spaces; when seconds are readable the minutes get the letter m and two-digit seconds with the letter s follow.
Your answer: 4h50
